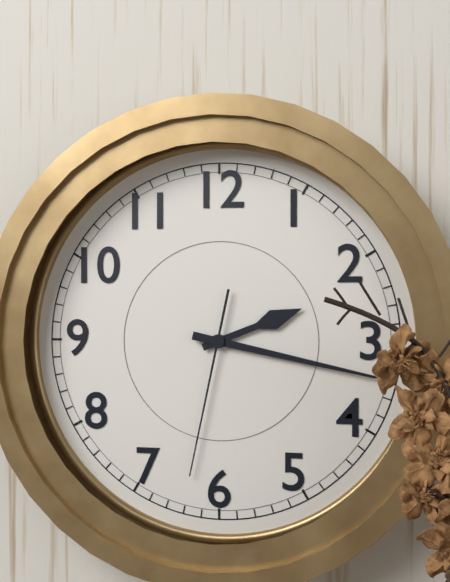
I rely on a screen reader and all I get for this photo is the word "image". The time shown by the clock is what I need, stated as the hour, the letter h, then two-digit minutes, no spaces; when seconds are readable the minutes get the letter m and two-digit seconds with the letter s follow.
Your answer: 2h17m32s
